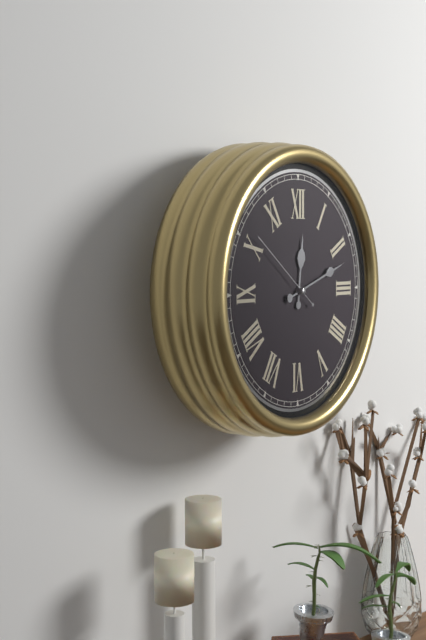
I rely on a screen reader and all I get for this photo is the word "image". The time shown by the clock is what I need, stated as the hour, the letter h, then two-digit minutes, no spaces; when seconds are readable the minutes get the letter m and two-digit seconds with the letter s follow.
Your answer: 12h12m51s
